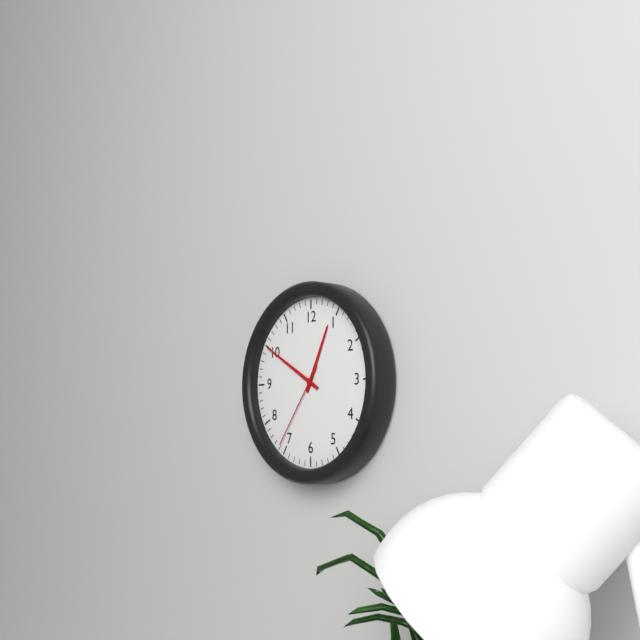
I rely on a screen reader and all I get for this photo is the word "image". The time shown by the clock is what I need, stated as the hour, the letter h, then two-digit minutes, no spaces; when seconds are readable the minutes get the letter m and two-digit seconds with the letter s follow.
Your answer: 12h50m36s
